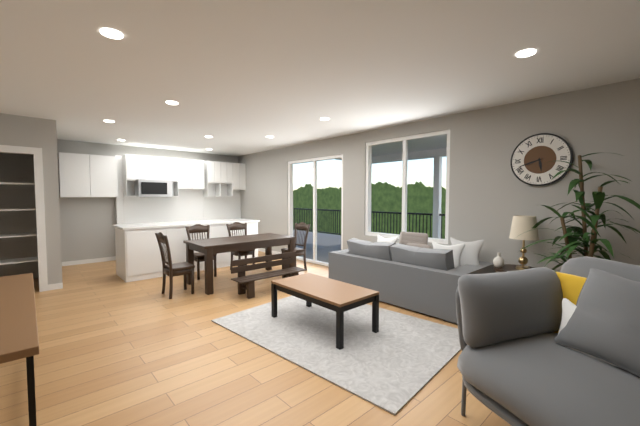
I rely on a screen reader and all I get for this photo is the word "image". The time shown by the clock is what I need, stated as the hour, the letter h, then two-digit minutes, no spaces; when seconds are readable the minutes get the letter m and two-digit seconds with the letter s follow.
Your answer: 5h42
